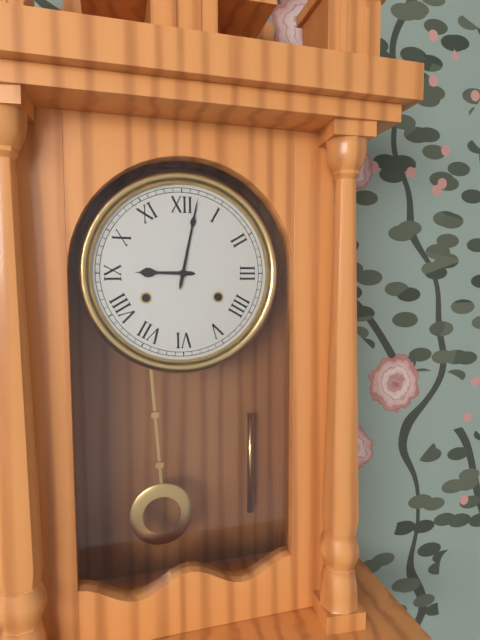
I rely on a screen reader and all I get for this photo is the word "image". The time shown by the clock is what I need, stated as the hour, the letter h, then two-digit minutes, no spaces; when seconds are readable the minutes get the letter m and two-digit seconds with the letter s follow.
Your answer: 9h02
